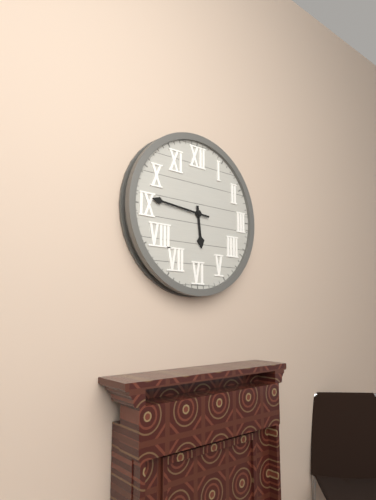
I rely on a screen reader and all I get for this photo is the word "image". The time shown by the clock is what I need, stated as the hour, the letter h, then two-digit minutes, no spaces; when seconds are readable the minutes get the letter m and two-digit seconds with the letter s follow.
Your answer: 5h46
